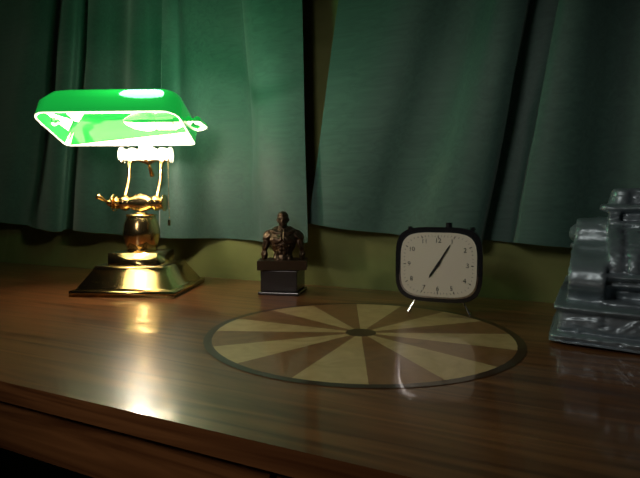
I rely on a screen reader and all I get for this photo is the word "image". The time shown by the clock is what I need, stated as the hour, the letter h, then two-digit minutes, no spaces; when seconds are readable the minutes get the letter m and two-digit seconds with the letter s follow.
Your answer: 7h05
